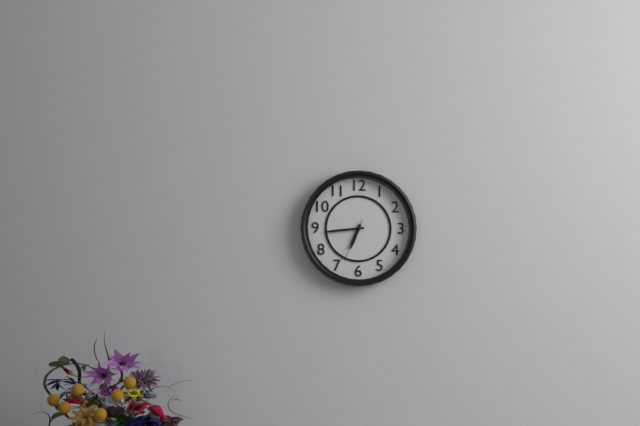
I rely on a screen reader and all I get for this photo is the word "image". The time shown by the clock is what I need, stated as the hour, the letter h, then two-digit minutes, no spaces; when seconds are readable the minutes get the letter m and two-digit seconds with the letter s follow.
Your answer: 6h44
